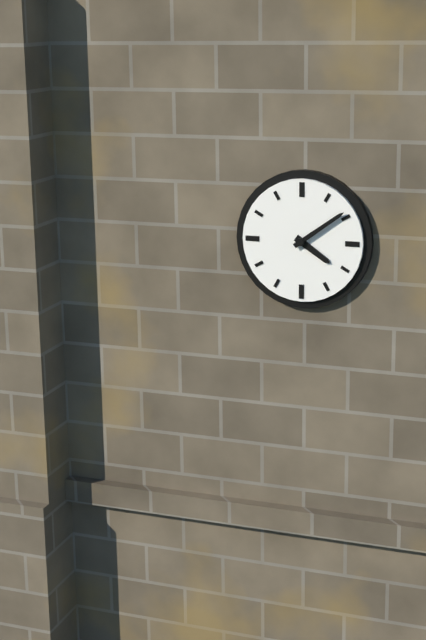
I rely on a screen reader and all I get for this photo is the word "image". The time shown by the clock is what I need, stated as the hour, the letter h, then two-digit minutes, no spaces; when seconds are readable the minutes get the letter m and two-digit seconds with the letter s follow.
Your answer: 4h09
